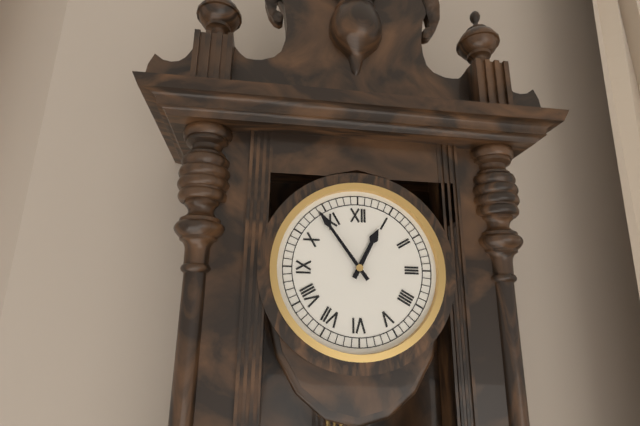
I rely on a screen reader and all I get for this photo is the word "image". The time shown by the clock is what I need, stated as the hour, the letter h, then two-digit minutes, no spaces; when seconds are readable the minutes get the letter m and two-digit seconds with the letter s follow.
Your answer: 12h54
